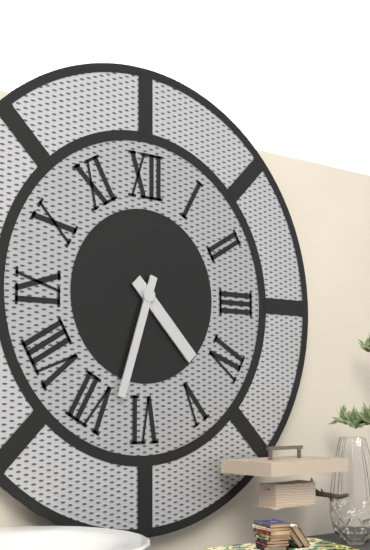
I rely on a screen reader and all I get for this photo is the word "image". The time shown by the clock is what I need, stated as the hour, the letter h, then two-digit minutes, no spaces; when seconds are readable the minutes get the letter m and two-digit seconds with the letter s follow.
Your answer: 4h33
